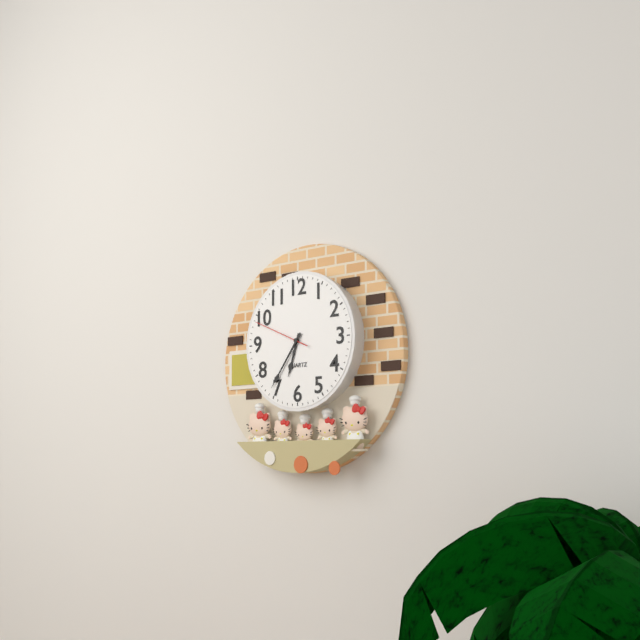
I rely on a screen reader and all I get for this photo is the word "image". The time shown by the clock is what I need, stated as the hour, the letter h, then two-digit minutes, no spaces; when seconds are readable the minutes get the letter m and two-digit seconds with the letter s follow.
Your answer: 6h36m49s
